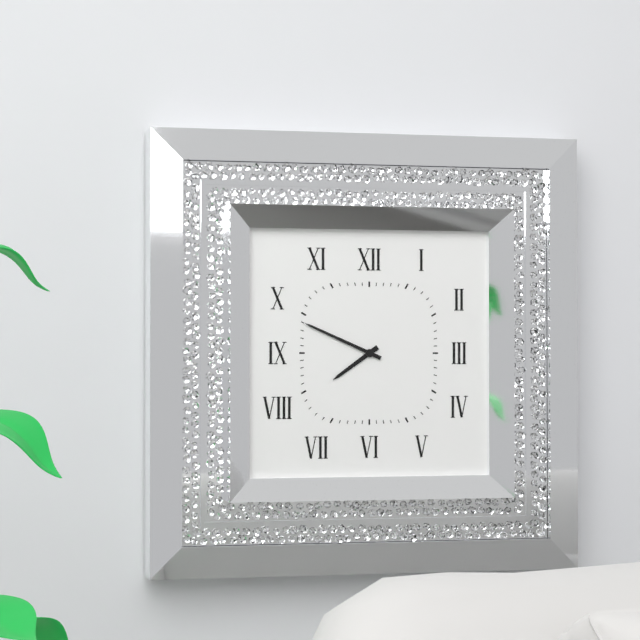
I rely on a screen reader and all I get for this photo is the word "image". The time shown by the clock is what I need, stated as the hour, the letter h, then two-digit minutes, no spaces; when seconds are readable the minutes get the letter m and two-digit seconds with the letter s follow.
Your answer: 7h49
